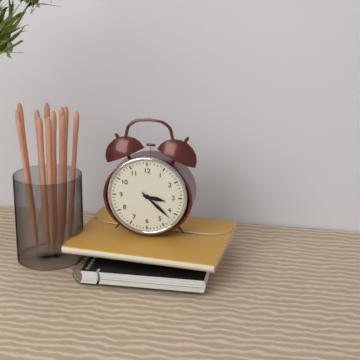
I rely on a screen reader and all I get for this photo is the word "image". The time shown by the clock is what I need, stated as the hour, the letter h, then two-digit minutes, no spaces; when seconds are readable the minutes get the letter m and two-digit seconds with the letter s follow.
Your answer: 3h22
